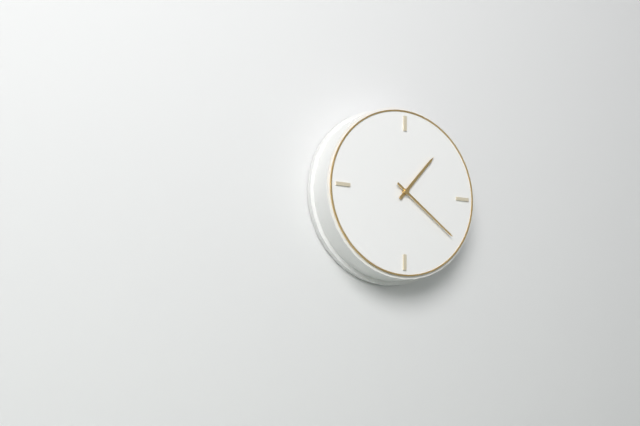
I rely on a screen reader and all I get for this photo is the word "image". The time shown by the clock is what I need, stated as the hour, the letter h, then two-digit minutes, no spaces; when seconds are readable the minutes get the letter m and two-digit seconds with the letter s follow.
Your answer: 1h21
